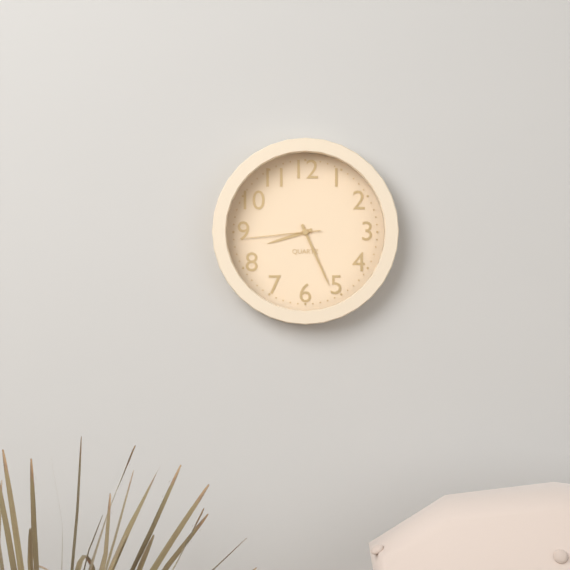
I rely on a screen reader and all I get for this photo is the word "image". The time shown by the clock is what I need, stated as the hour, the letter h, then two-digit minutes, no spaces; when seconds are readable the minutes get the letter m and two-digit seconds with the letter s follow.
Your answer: 8h26m44s
